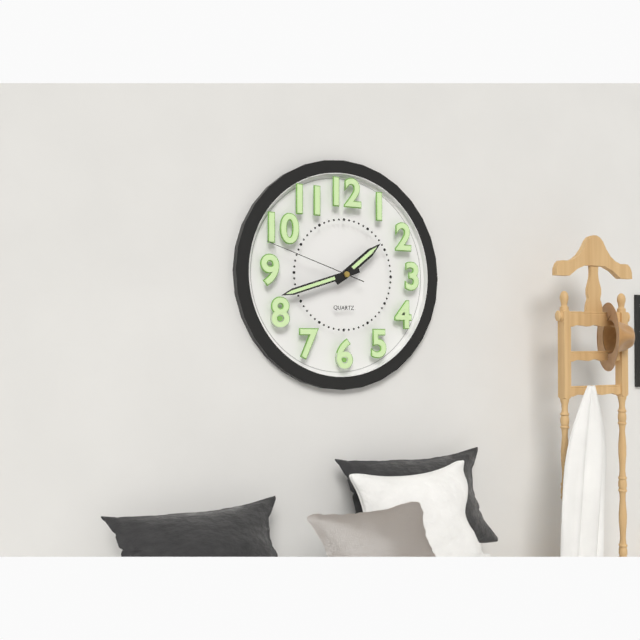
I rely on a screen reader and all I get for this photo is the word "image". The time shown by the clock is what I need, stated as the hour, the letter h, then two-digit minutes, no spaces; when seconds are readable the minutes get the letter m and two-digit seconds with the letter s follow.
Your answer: 1h42m48s
